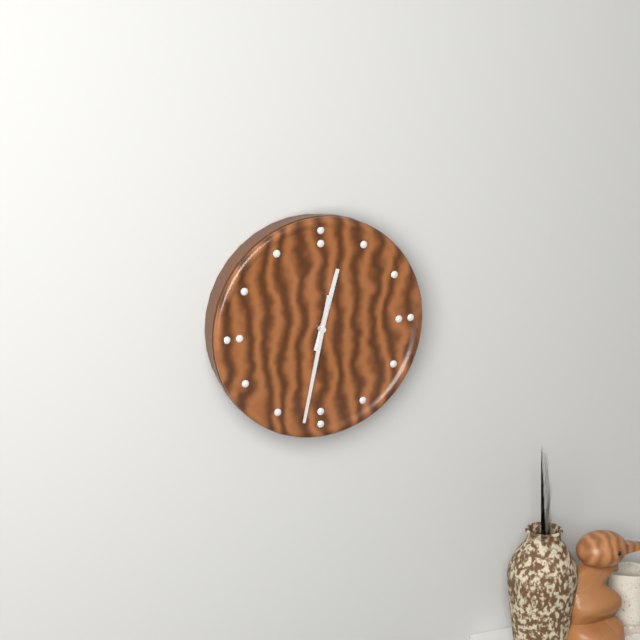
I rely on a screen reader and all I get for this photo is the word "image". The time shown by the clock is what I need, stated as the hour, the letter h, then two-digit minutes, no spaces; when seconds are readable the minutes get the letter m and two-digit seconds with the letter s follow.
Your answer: 12h32
